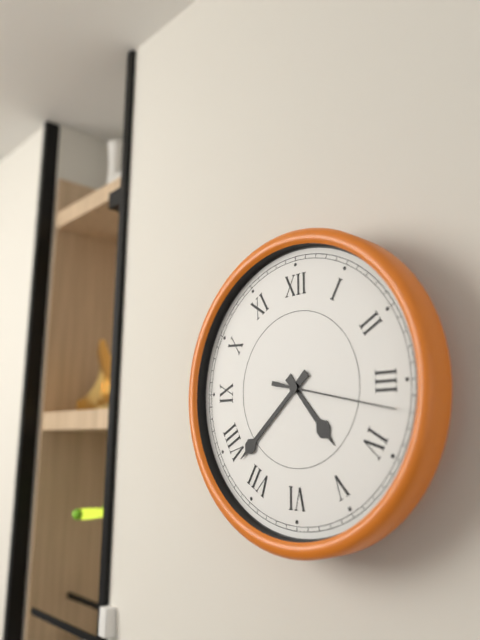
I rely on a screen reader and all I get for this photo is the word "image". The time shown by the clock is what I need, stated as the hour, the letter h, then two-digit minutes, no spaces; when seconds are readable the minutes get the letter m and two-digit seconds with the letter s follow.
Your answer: 4h38m17s
